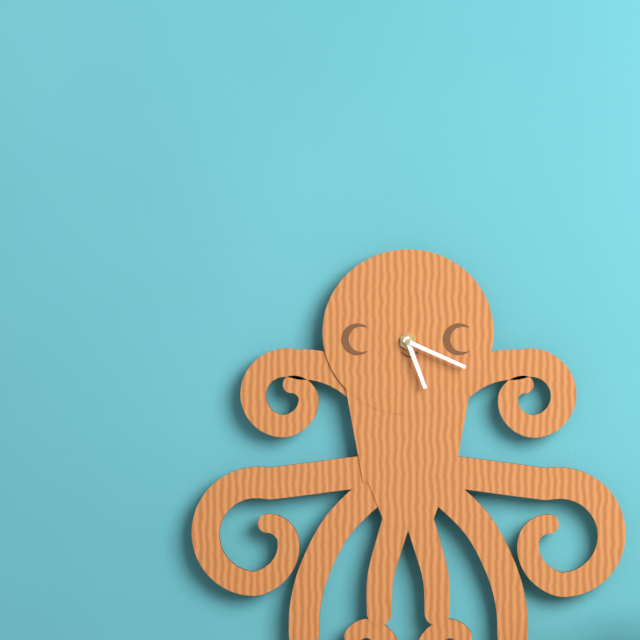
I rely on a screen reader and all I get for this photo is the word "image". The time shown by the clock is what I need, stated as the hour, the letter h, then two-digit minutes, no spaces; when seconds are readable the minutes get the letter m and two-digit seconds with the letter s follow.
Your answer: 5h19
